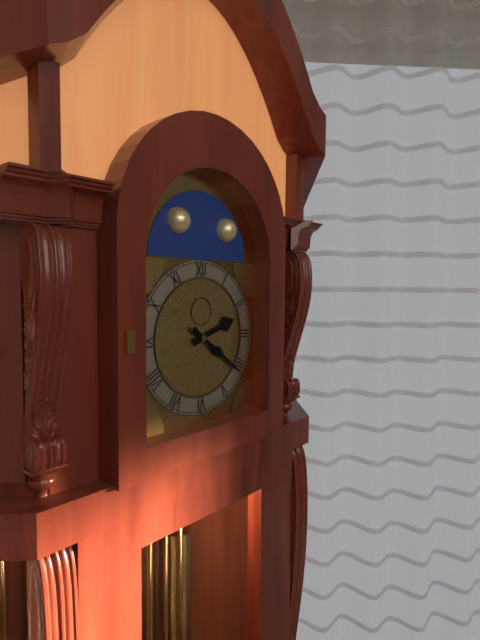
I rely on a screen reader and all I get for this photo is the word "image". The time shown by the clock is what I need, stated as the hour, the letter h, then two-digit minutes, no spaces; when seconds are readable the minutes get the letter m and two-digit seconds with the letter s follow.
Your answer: 2h21
